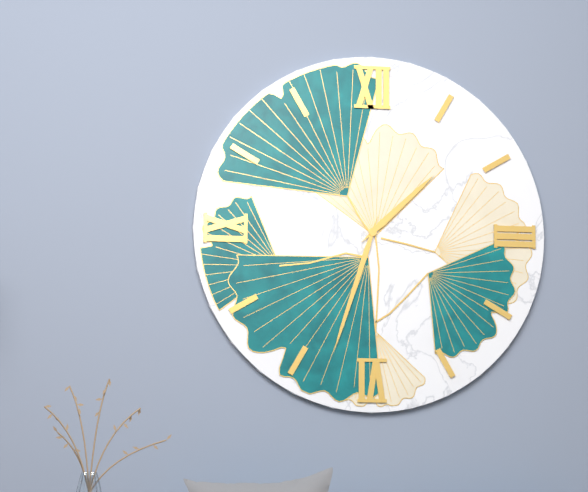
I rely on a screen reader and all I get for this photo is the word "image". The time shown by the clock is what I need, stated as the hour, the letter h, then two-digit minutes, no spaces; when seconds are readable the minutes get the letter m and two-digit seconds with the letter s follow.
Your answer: 1h33
